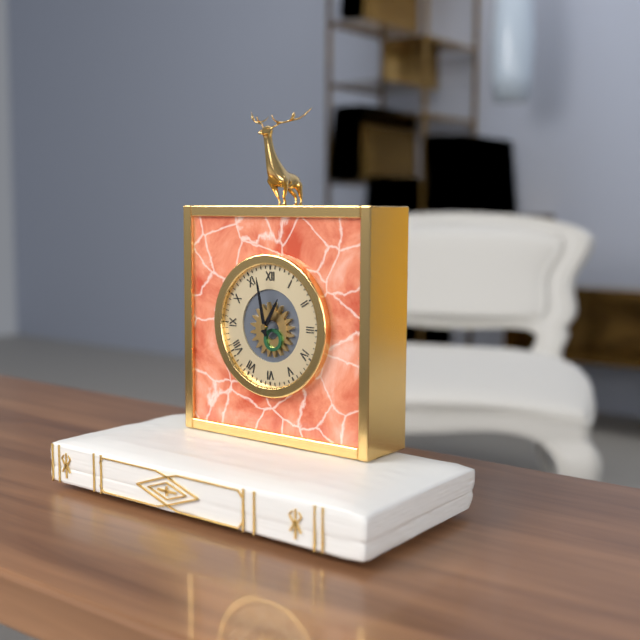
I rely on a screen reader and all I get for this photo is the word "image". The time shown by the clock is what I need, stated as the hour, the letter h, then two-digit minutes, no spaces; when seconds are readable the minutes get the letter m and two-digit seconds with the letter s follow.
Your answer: 12h58
